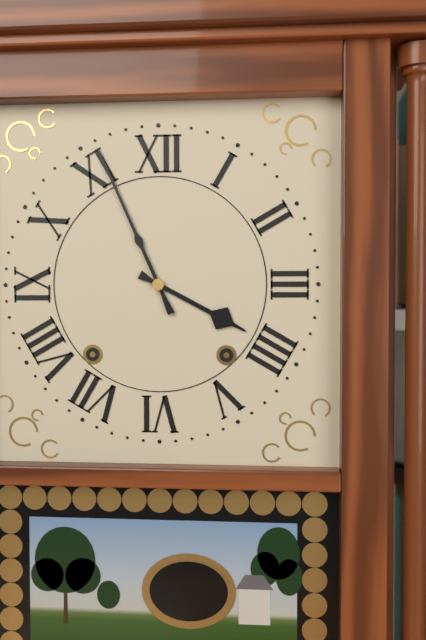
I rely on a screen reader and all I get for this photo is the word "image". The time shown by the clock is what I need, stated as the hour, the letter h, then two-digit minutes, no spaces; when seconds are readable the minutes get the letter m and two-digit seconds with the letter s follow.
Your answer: 3h56
